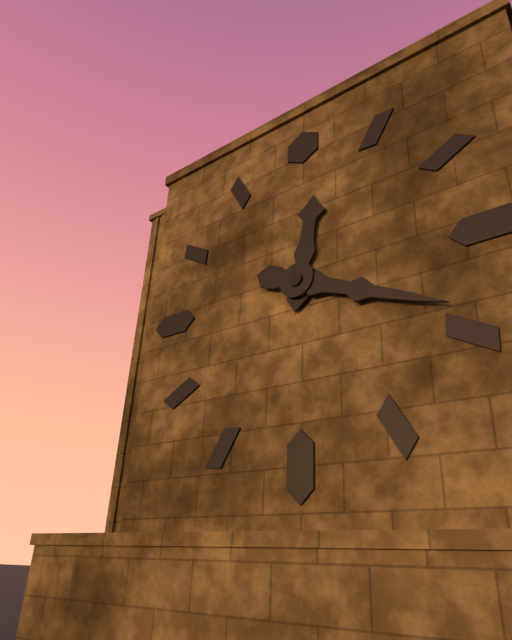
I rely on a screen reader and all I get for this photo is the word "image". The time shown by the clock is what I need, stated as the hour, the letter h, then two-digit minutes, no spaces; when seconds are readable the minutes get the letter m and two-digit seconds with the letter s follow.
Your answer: 12h19
